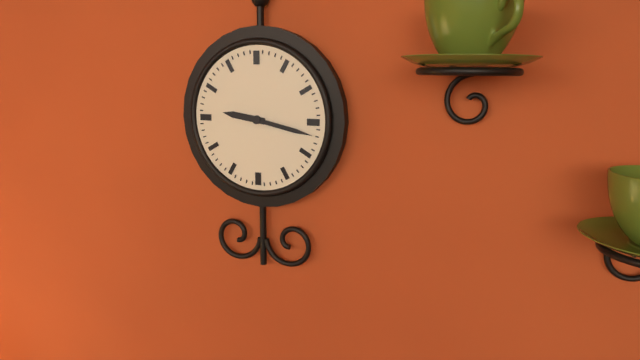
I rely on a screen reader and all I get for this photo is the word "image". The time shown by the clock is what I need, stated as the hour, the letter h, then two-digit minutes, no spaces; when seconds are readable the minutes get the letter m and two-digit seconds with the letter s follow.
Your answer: 9h17
